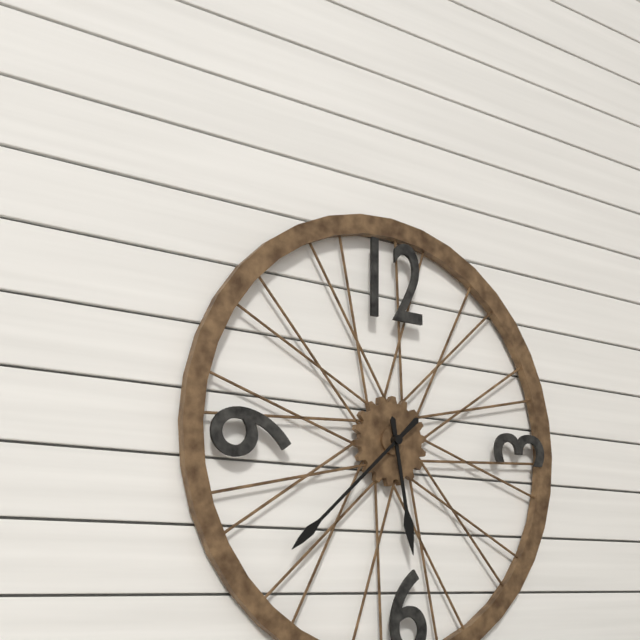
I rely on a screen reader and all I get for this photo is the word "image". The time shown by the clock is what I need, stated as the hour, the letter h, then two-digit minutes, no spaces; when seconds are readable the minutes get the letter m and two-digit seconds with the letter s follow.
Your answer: 5h38
